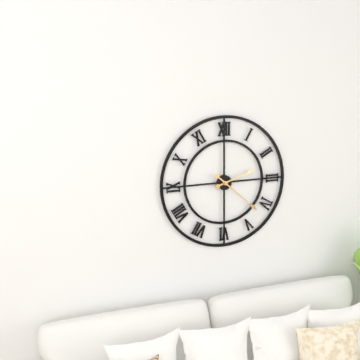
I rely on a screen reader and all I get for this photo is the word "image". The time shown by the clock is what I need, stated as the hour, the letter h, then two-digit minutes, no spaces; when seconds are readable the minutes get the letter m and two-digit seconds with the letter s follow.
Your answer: 2h22
